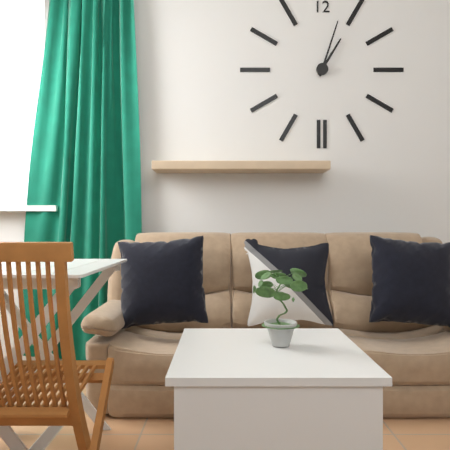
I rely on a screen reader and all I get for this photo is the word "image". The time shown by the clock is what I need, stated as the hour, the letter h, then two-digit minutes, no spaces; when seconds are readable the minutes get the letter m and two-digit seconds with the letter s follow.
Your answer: 1h03
